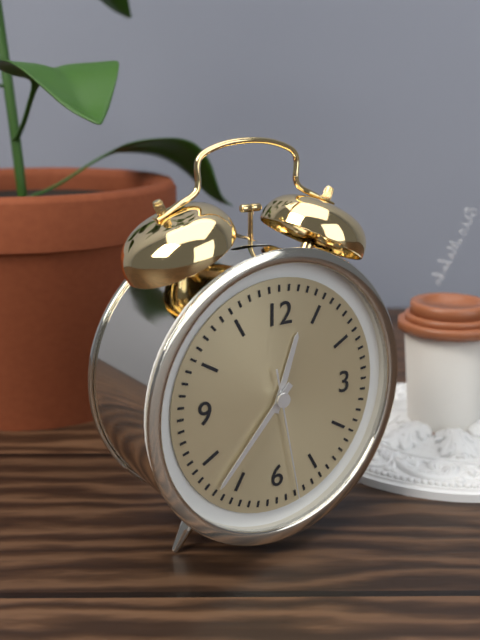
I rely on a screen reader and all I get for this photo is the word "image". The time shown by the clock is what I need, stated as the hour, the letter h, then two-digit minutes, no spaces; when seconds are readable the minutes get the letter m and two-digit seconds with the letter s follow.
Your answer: 12h37m28s
